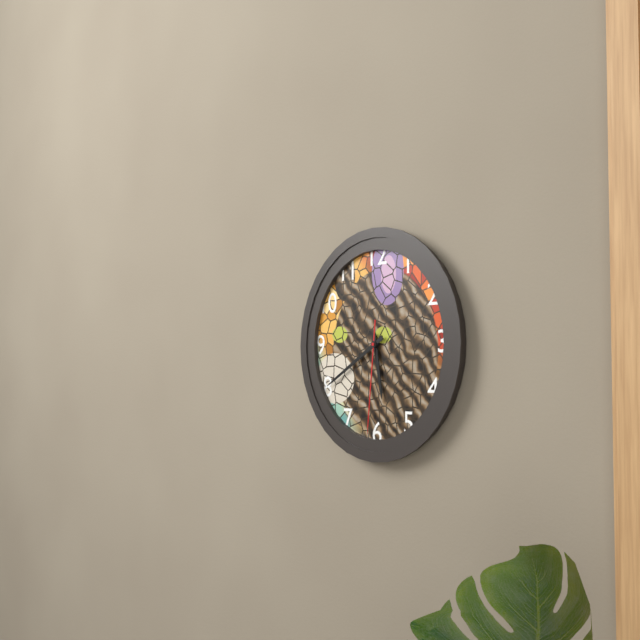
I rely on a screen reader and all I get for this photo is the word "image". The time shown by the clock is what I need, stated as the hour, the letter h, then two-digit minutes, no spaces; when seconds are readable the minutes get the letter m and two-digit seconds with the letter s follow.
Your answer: 5h40m31s
